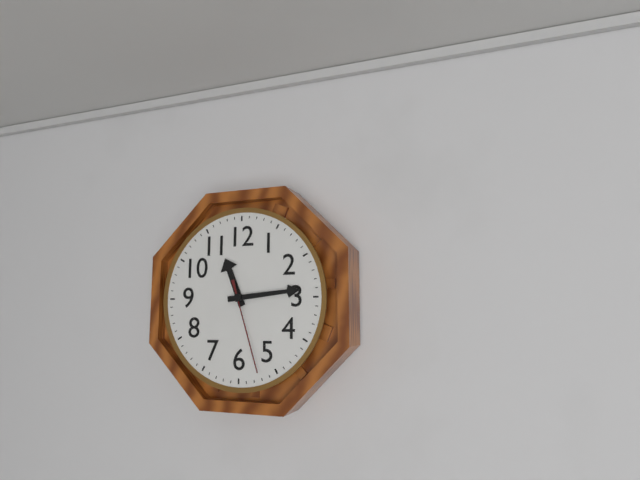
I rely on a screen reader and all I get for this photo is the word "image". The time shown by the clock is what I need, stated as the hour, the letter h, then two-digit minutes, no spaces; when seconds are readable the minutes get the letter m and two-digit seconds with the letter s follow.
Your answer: 11h14m27s
